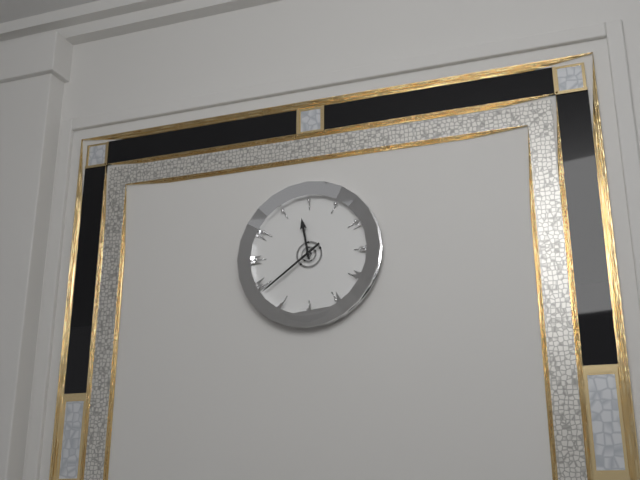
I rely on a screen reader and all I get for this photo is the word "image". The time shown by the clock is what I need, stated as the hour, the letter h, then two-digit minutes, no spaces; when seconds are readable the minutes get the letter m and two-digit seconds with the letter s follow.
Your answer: 11h39
